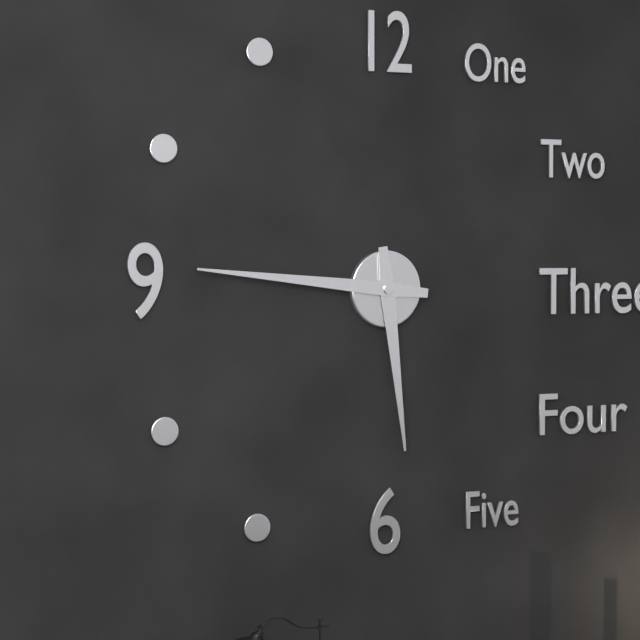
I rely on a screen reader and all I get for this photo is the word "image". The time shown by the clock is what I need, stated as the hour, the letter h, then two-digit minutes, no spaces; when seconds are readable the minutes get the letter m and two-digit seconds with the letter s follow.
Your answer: 5h46
